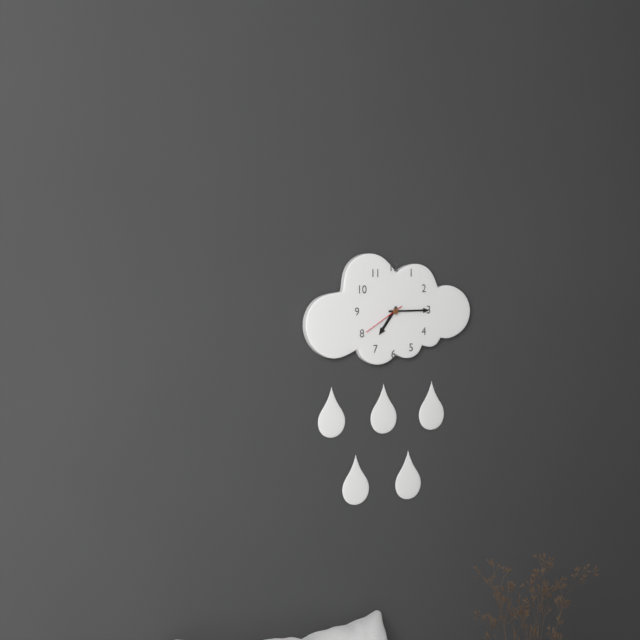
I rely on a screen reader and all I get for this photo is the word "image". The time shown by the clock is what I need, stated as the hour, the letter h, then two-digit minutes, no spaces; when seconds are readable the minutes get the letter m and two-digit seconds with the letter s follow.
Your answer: 7h15
